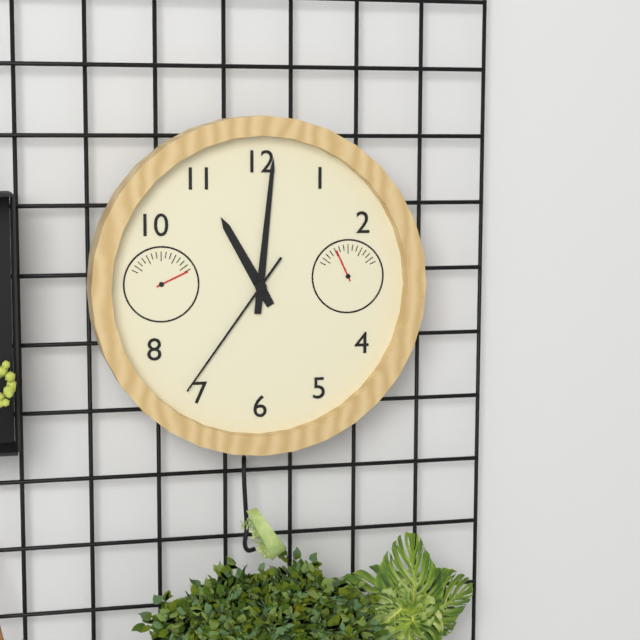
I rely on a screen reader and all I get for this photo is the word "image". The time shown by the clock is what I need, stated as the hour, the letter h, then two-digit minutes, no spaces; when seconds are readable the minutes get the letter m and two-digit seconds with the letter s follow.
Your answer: 11h01m36s
